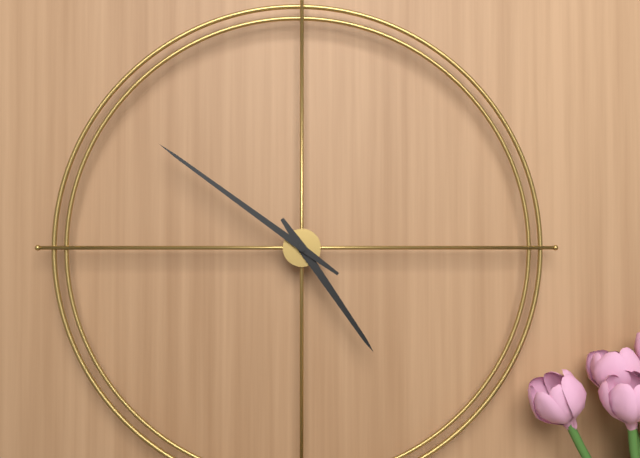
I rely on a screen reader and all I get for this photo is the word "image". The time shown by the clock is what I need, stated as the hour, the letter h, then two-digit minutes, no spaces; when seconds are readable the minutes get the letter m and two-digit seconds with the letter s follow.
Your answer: 4h51
